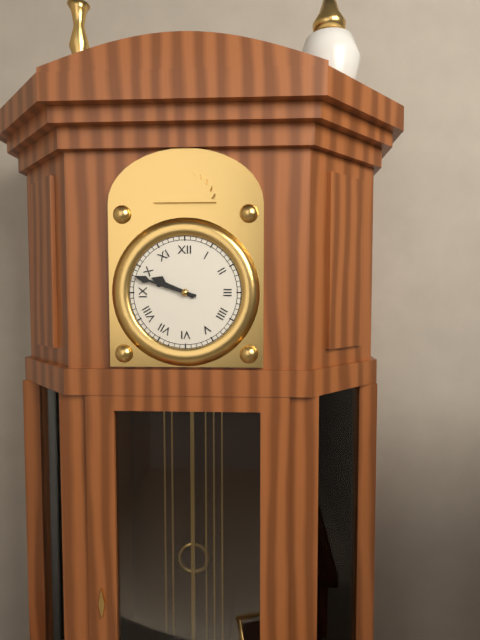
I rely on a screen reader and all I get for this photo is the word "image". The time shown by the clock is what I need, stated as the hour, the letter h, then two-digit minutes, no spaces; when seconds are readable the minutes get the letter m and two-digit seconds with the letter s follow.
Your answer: 9h48
